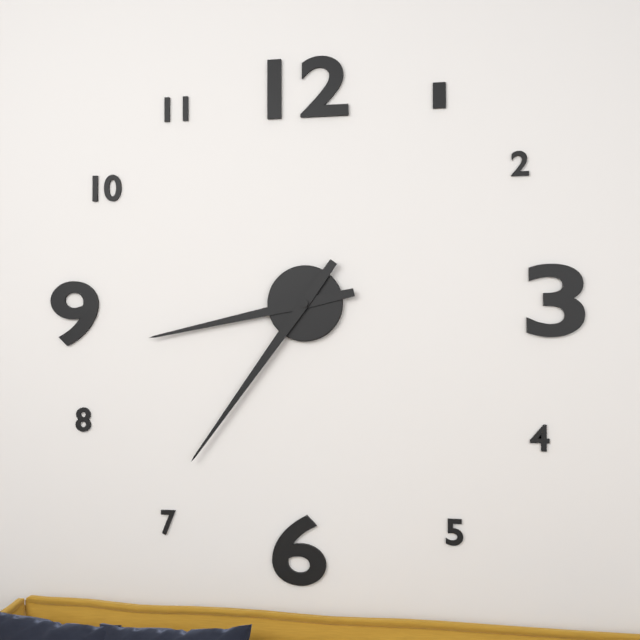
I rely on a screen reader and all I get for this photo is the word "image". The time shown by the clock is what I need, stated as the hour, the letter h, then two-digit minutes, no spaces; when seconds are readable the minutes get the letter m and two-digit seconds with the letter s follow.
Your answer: 8h36
